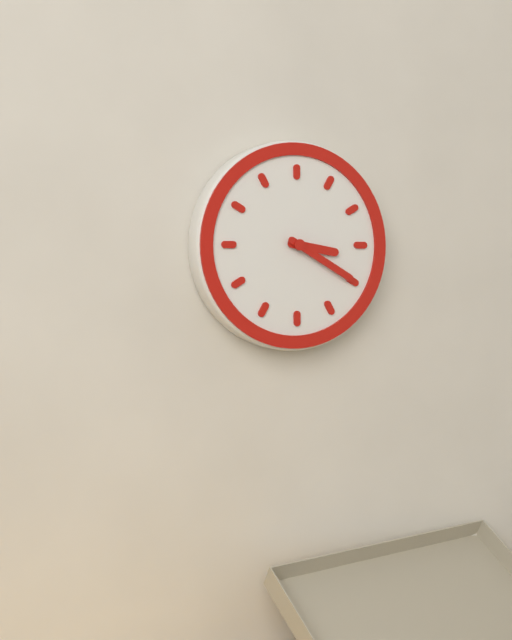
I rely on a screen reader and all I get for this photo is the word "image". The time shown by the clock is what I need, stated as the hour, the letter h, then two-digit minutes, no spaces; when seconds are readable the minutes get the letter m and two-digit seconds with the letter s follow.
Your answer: 3h20
